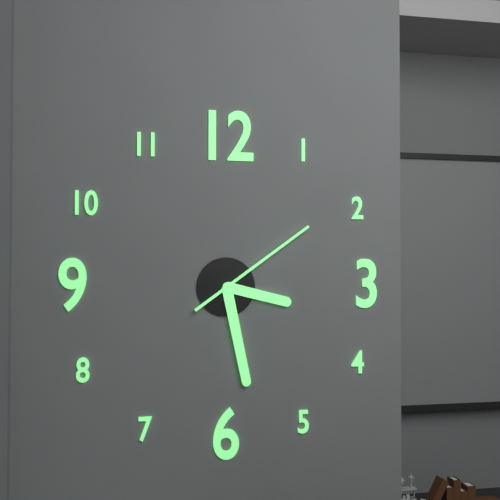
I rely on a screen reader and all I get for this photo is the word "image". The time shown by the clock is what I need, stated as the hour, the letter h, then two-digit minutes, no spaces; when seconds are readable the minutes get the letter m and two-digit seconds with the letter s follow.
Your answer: 3h28m09s
